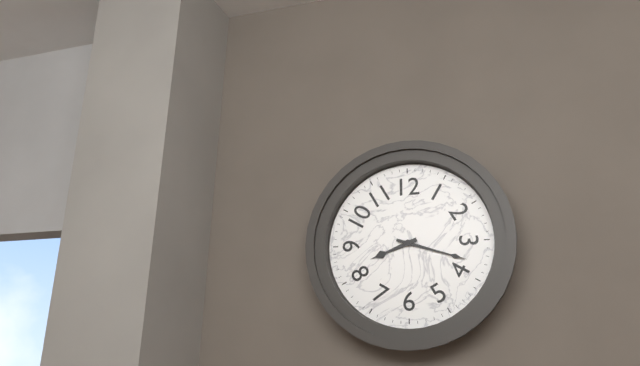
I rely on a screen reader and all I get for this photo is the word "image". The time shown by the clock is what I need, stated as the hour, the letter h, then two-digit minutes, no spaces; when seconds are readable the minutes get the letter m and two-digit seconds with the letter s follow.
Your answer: 8h18
